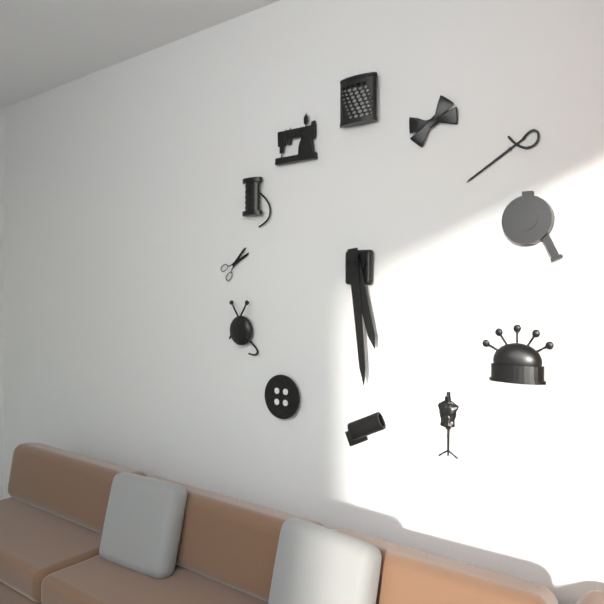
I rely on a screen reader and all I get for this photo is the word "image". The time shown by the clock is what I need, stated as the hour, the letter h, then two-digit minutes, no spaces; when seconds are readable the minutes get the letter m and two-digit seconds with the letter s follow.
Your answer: 5h29
